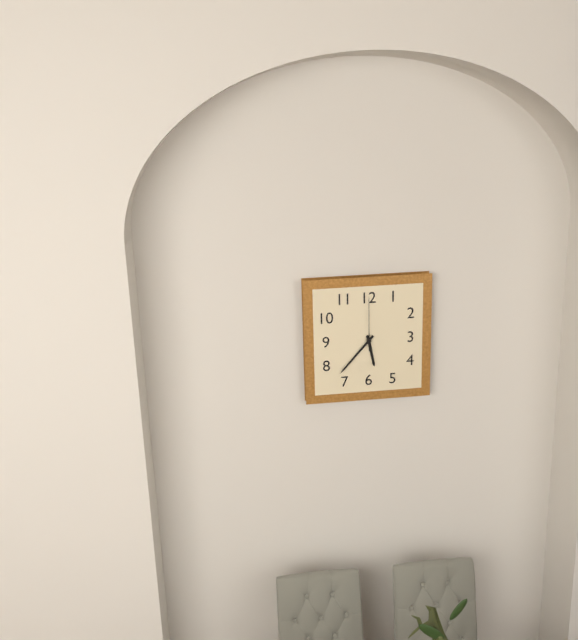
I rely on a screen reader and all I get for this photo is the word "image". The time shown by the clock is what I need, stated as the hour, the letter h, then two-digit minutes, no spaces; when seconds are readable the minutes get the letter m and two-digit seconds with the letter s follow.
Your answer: 5h37m00s
